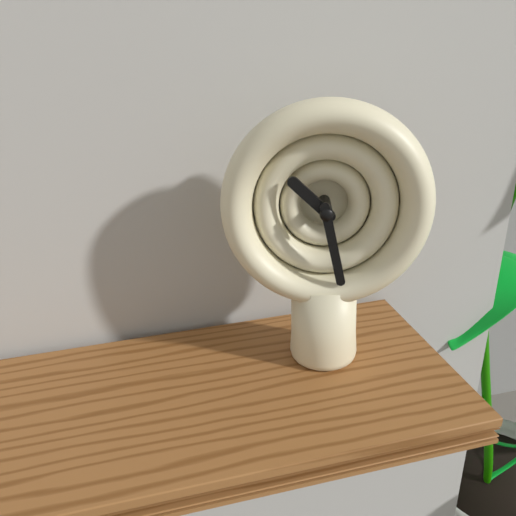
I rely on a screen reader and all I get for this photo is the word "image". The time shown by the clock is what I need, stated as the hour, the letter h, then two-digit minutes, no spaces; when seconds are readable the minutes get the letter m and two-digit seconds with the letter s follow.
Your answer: 10h28
